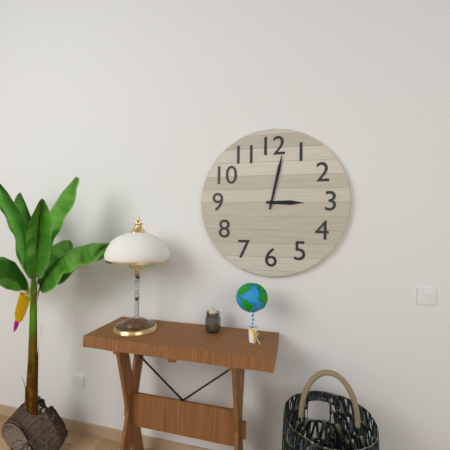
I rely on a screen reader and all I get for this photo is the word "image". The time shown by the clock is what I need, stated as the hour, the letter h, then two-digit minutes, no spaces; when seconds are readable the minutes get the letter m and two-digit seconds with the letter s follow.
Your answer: 3h02
